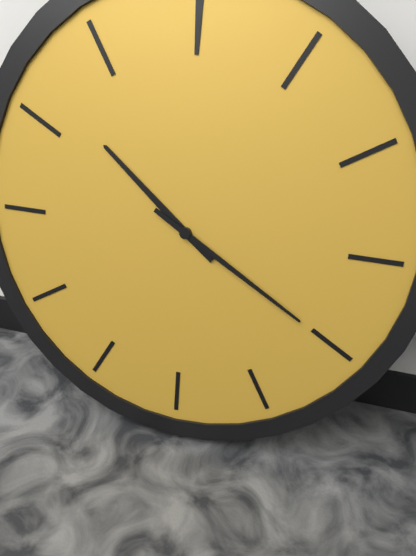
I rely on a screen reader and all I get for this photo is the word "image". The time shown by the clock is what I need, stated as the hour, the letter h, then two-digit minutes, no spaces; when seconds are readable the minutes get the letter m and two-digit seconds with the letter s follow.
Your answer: 10h20
